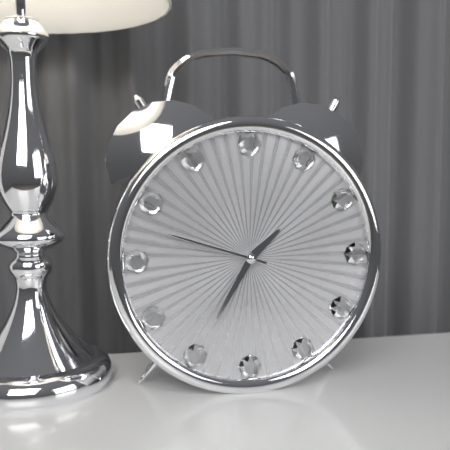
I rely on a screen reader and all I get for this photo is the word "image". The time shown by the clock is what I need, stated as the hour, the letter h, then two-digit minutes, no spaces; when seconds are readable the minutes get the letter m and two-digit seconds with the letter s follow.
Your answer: 1h35m48s
